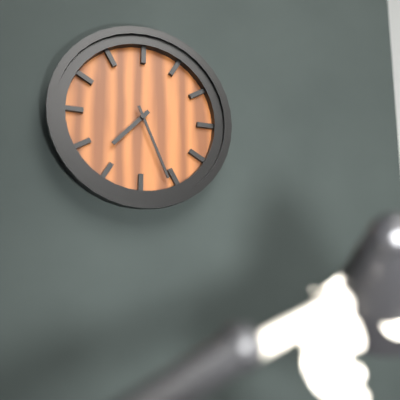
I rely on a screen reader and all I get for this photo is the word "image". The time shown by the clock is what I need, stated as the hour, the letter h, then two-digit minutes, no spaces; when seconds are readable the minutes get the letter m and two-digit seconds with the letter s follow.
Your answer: 7h26
